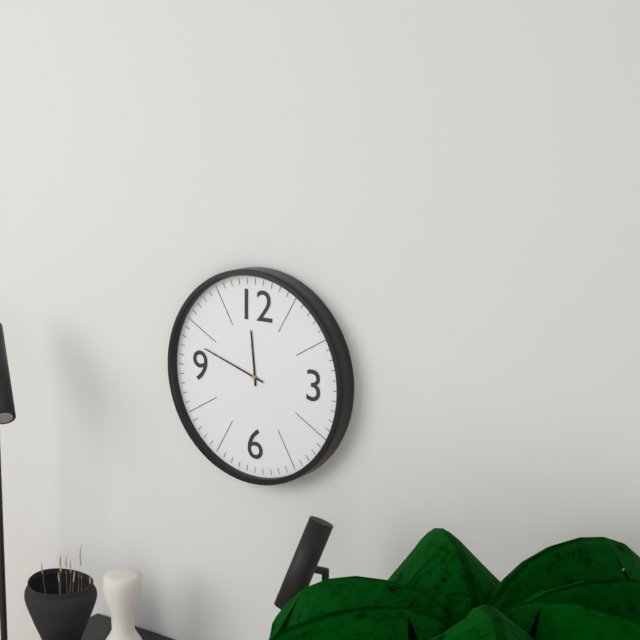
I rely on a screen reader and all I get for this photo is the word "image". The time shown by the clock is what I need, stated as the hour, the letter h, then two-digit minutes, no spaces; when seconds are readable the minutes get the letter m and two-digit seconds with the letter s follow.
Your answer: 11h48
